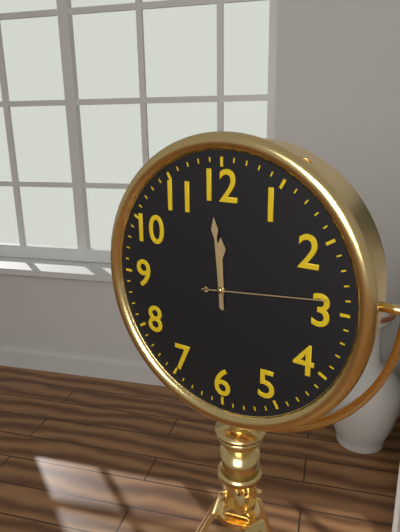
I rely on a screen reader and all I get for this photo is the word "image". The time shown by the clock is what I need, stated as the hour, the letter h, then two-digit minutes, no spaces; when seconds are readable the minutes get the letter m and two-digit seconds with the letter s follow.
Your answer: 11h59m14s
